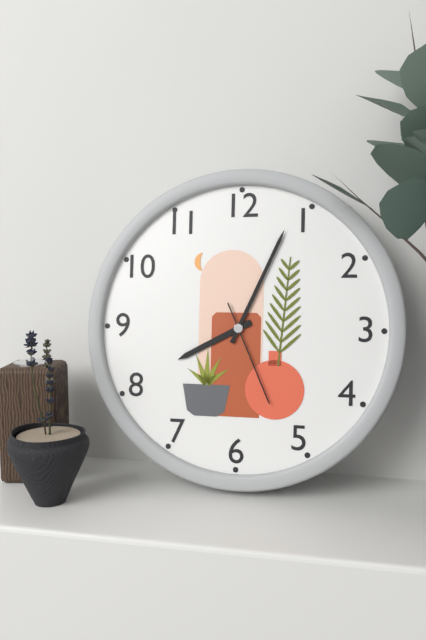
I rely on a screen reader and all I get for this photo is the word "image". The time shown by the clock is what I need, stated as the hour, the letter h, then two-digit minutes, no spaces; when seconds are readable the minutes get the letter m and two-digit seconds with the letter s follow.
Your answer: 8h04m26s
